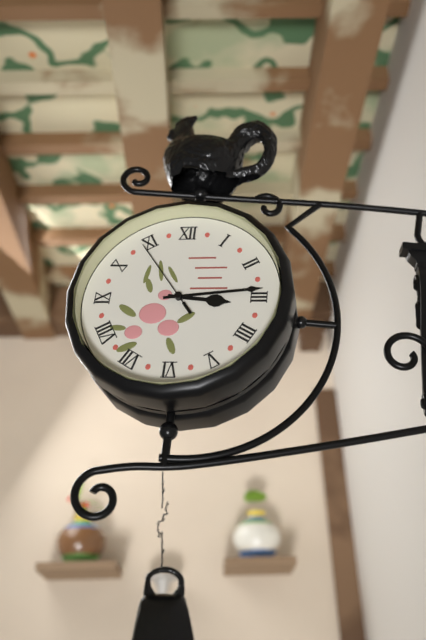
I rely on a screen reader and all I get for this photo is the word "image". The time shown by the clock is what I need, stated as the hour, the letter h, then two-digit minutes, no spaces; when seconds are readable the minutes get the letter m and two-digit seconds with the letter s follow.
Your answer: 3h14m54s
